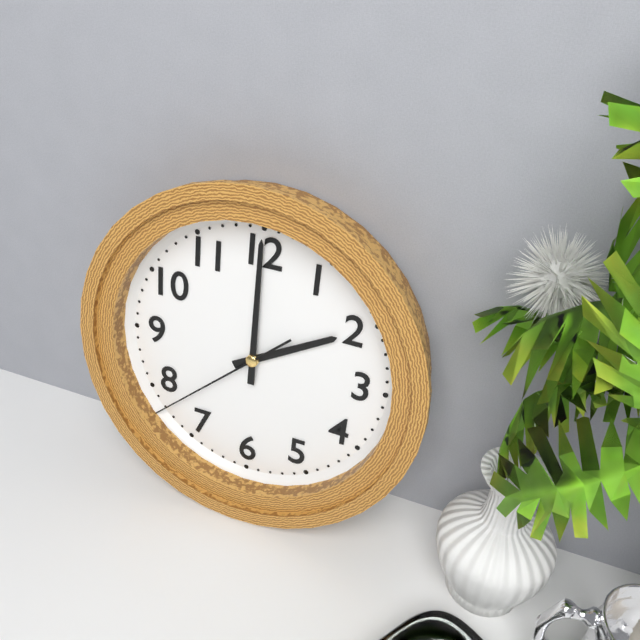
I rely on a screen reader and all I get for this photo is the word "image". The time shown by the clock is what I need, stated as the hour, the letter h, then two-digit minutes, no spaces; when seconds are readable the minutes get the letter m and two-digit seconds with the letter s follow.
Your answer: 2h00m38s
